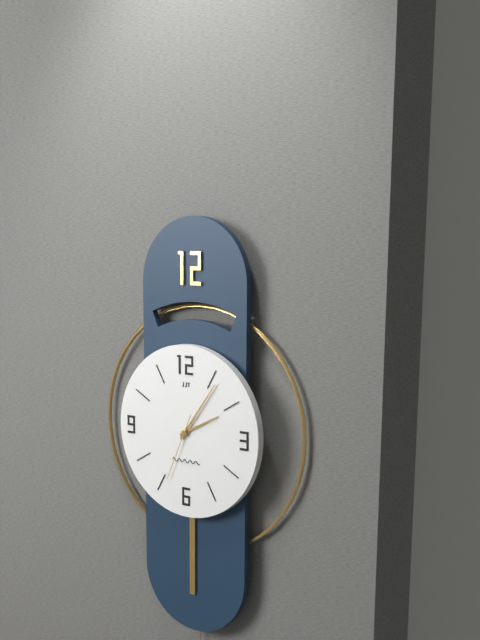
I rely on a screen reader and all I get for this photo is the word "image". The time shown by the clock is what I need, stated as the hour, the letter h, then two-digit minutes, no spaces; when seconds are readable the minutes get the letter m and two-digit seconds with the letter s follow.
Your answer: 2h06m34s
